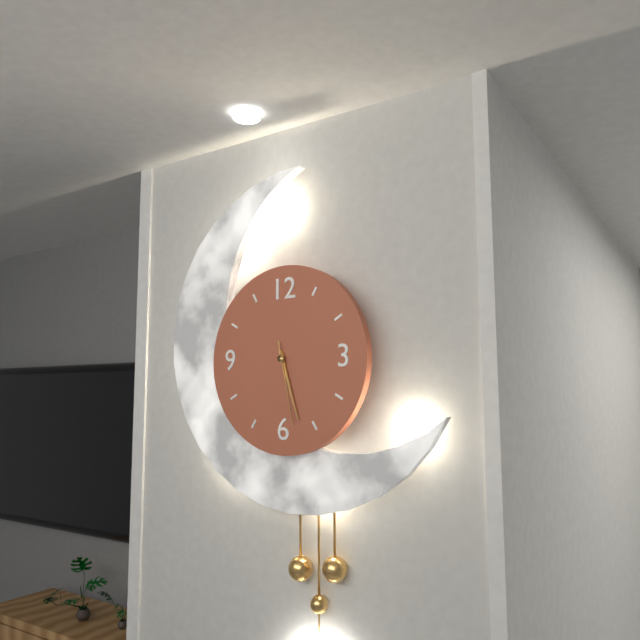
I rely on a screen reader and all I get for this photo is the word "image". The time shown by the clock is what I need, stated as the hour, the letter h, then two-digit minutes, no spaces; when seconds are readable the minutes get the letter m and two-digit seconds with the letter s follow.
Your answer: 5h27m28s
